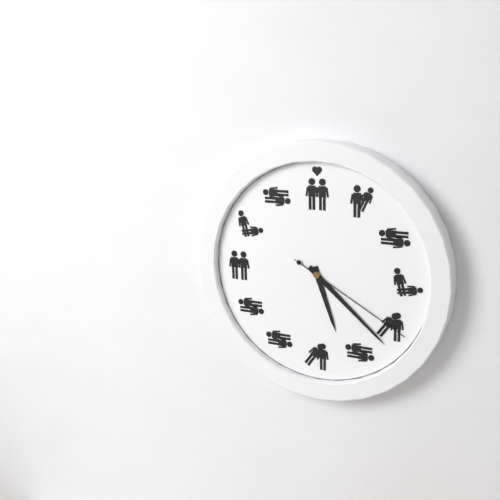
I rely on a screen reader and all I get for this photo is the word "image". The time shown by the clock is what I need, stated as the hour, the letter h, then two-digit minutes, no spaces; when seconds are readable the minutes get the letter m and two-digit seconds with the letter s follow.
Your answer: 5h22m20s
